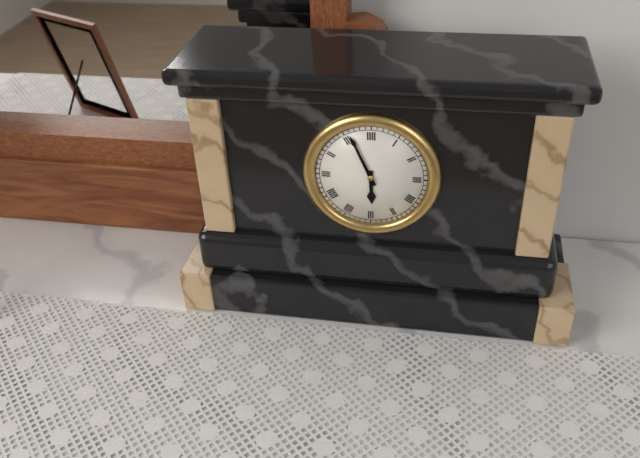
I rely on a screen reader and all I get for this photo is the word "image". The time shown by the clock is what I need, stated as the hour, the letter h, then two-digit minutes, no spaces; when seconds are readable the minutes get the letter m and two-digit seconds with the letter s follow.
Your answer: 5h56
